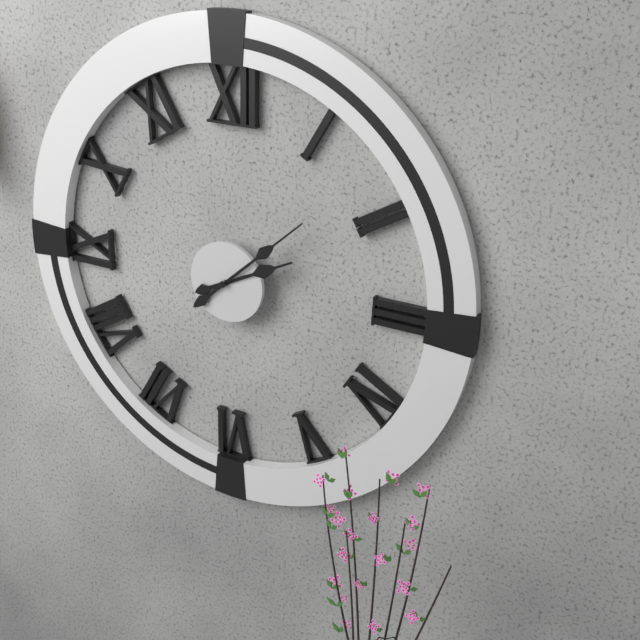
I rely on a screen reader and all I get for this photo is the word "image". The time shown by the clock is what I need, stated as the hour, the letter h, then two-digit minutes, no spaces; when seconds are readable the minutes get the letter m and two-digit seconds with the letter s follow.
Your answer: 2h08
